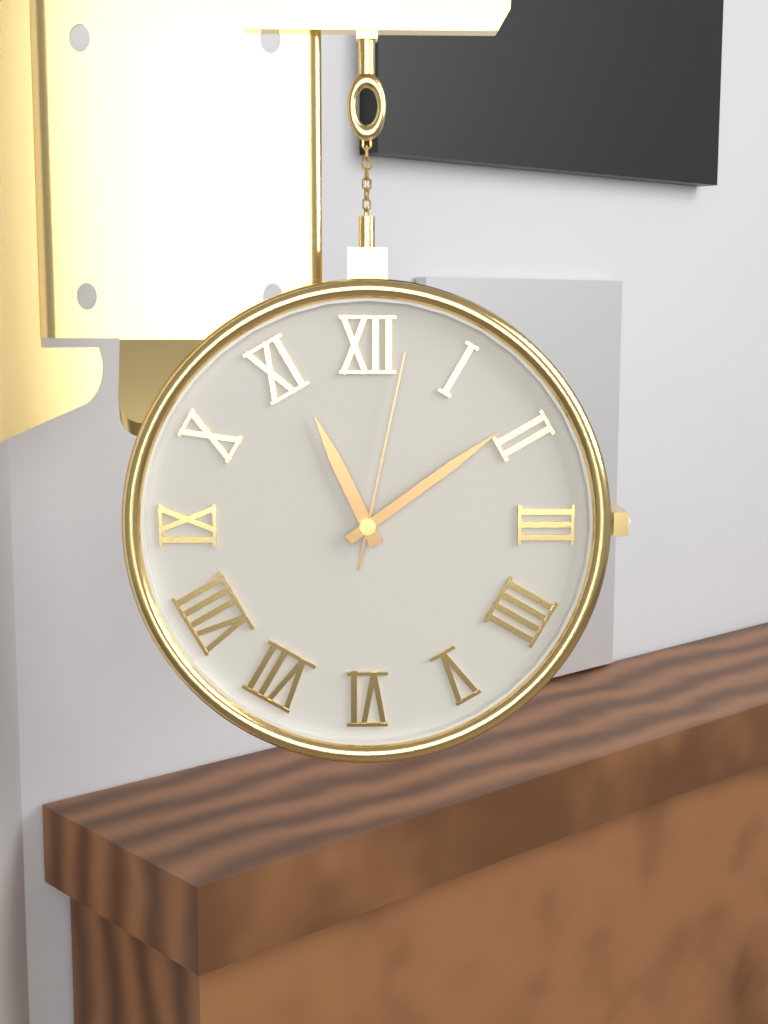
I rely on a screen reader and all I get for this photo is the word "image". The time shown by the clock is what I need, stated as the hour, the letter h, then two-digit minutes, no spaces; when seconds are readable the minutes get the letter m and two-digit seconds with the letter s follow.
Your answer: 11h09m02s
